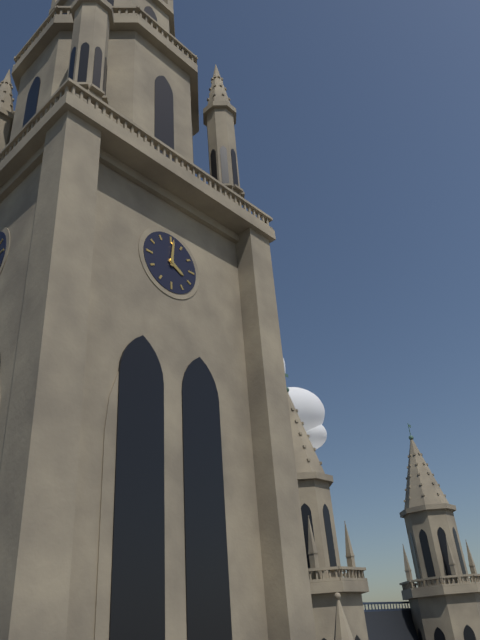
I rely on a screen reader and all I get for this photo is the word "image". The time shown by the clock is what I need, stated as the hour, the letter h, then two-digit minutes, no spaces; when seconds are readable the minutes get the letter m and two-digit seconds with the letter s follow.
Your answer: 4h01
